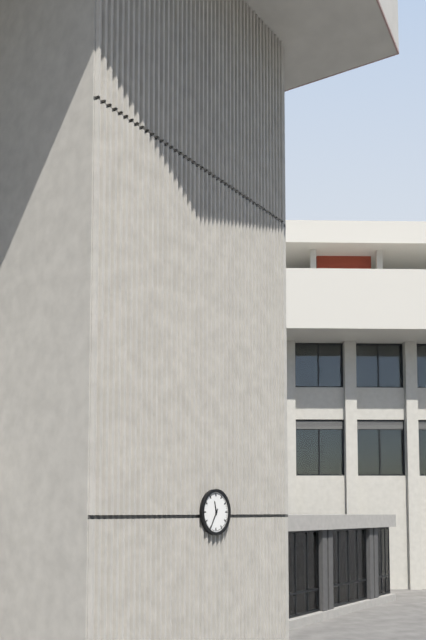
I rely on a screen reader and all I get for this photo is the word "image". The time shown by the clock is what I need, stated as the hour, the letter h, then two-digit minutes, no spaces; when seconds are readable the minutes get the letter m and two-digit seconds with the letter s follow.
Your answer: 11h35
